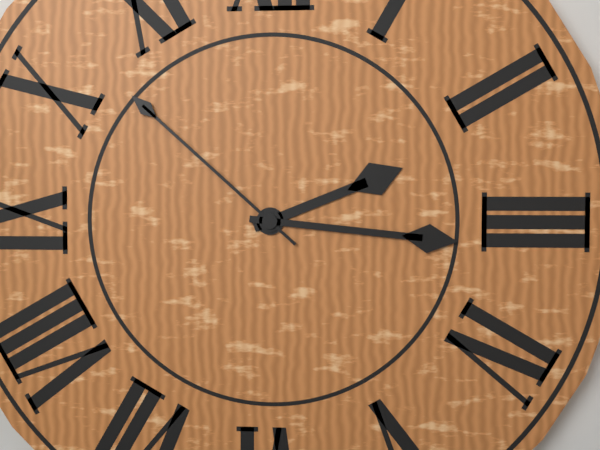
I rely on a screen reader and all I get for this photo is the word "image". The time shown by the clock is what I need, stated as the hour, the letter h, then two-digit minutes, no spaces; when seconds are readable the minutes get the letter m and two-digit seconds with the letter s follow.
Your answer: 2h16m52s
